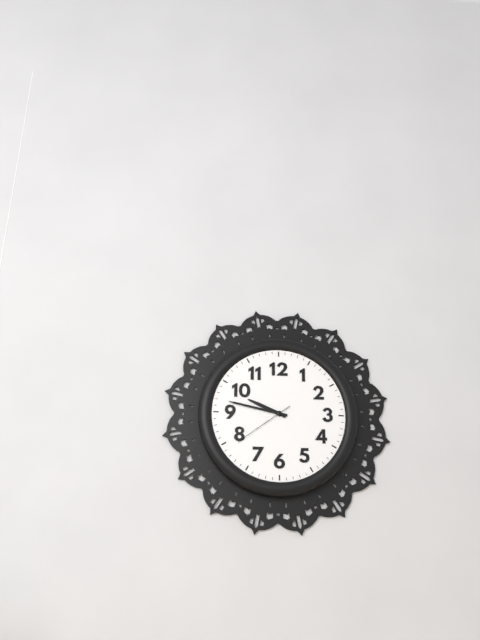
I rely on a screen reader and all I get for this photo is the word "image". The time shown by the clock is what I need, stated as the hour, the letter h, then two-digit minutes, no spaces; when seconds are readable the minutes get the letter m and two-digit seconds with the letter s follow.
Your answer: 9h47m39s
